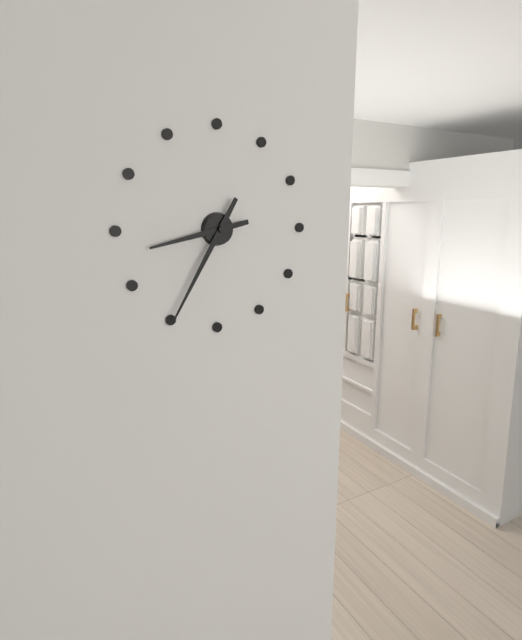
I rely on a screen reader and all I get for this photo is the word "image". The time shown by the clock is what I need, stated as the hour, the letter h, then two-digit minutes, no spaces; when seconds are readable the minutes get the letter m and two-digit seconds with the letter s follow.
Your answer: 8h35
